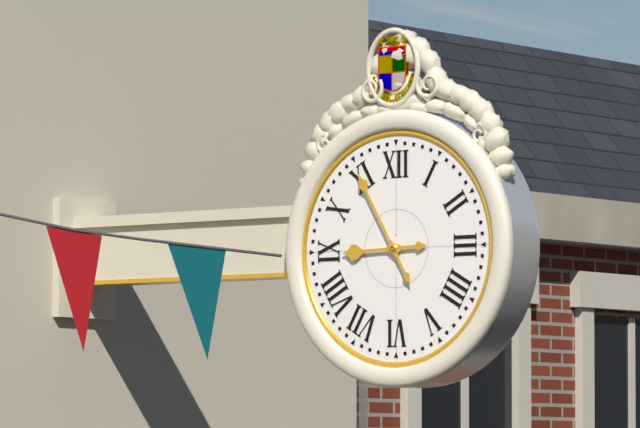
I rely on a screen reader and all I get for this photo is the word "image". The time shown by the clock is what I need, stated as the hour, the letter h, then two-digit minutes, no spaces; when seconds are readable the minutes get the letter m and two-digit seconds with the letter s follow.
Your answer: 8h55
